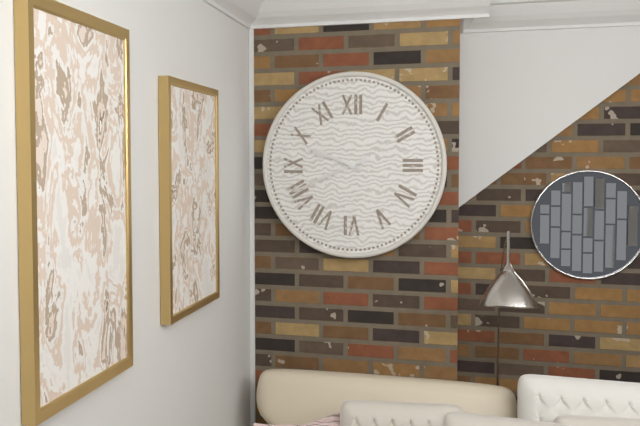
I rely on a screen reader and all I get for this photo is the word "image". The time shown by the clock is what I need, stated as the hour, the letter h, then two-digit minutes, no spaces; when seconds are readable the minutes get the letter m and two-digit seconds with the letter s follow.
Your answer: 9h41
